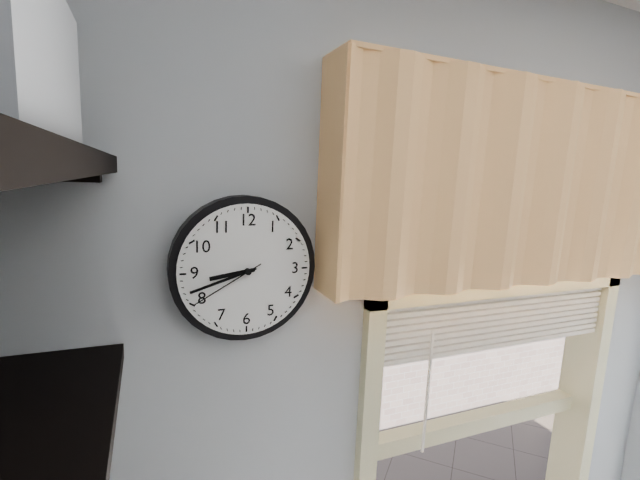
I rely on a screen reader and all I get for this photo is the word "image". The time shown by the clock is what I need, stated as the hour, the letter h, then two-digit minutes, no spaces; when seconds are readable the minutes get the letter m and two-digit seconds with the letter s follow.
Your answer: 8h42m40s
